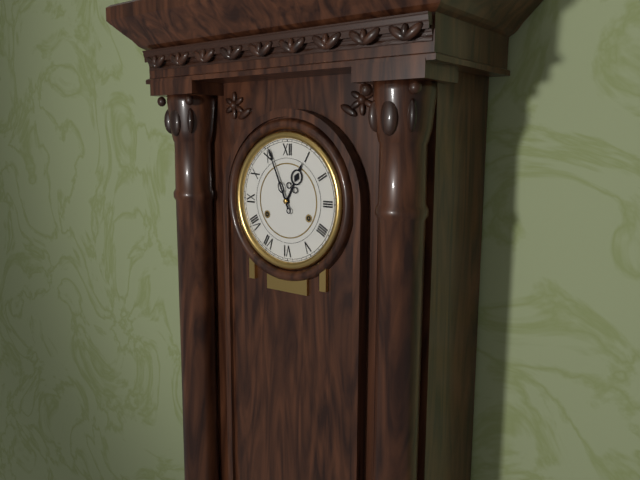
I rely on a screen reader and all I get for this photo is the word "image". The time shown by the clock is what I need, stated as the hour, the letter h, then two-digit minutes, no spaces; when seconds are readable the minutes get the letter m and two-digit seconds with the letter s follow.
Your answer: 12h56
